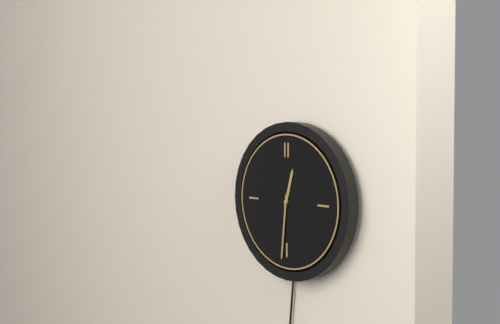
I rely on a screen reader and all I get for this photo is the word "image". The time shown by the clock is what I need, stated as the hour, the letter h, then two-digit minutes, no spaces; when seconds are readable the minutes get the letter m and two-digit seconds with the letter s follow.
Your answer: 12h31
